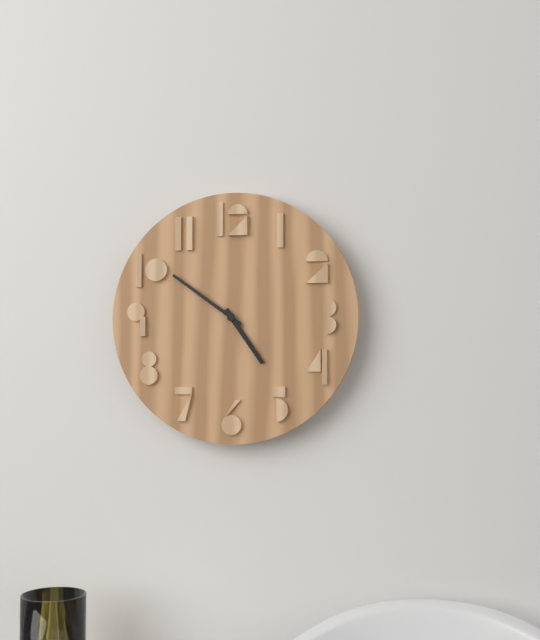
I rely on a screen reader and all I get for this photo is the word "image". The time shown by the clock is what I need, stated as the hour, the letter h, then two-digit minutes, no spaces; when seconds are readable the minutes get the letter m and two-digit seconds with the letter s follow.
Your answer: 4h51
